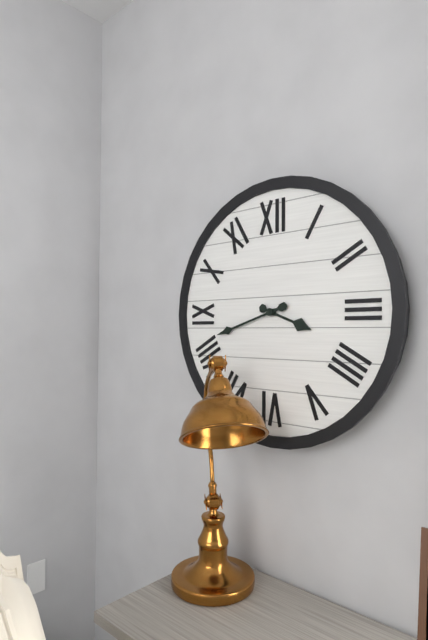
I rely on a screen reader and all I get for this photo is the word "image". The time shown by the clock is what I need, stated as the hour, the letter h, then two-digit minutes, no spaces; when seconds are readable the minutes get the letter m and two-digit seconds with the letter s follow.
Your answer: 3h42
